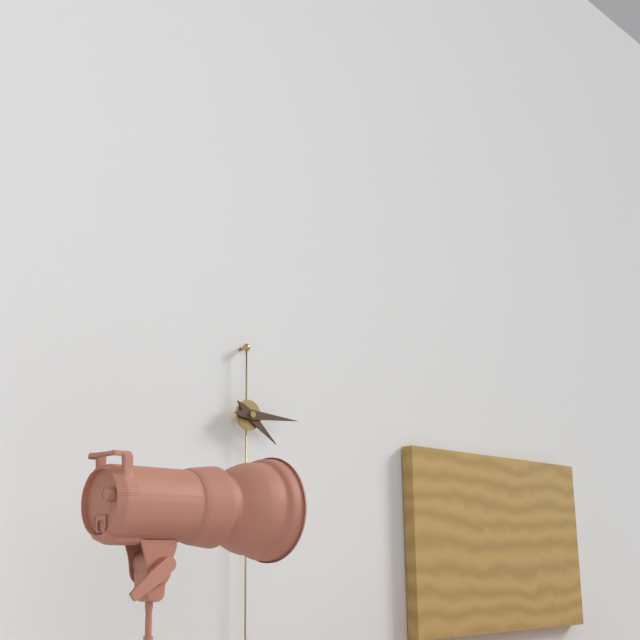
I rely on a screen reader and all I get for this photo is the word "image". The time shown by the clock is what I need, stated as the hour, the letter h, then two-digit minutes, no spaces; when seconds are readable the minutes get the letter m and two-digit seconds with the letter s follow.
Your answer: 4h15
